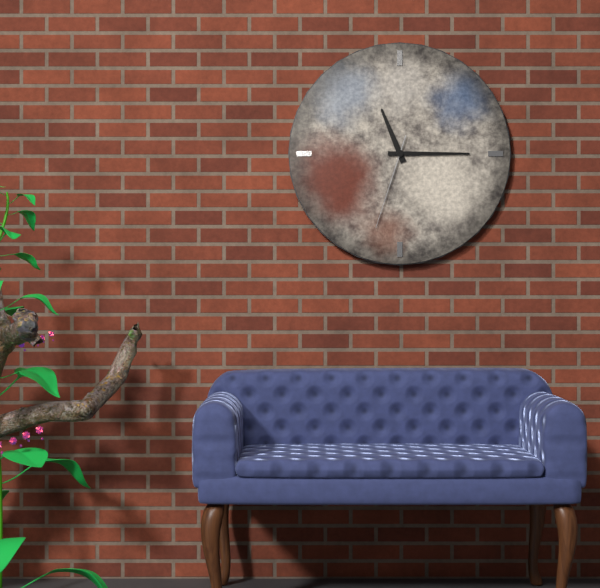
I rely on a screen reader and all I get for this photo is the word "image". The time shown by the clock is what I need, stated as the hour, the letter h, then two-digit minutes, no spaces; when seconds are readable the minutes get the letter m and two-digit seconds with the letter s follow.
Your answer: 11h15m33s
